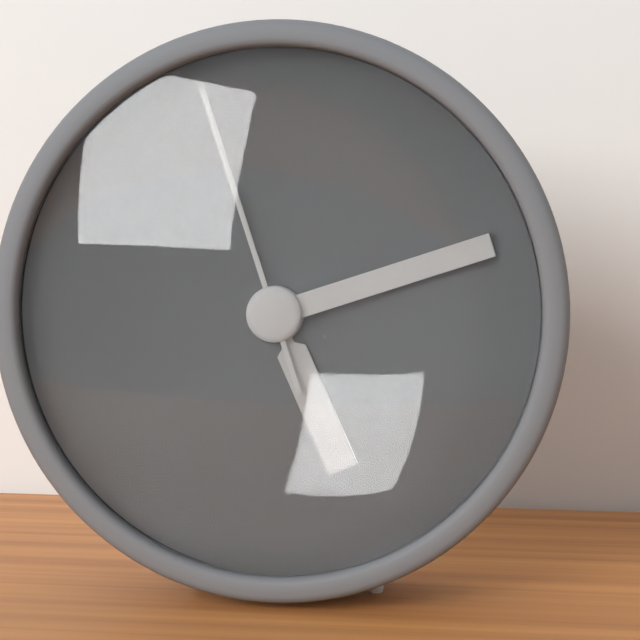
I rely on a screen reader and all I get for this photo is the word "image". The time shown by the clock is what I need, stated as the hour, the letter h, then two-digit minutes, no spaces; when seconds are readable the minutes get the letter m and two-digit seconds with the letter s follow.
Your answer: 5h12m57s
